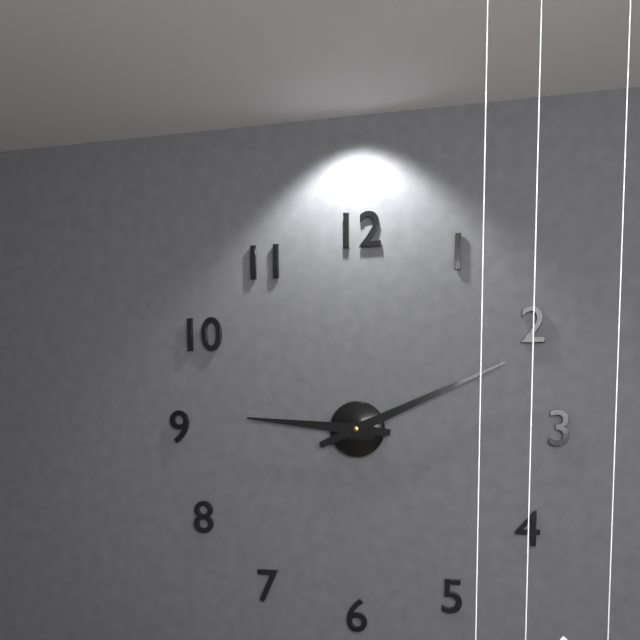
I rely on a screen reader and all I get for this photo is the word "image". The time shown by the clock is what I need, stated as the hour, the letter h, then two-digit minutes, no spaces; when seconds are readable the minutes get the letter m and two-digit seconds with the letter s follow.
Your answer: 9h11
